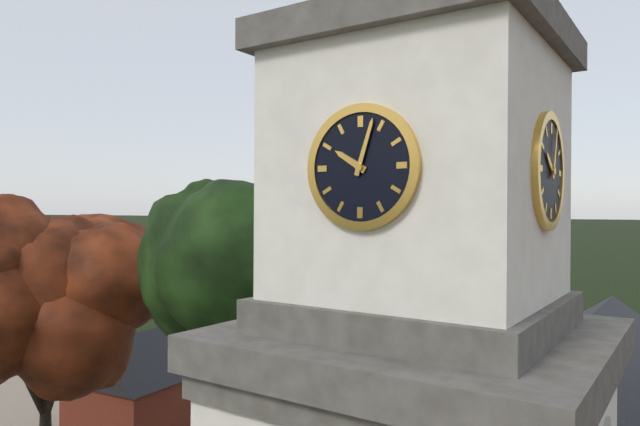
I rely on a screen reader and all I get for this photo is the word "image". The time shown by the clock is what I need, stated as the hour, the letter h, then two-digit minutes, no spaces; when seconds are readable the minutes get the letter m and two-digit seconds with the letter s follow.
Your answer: 10h03
